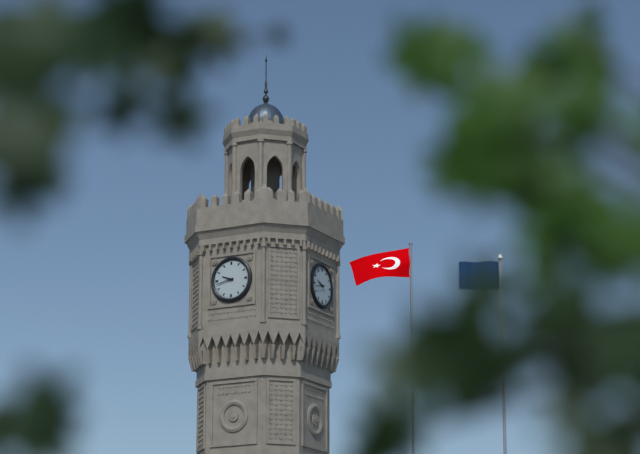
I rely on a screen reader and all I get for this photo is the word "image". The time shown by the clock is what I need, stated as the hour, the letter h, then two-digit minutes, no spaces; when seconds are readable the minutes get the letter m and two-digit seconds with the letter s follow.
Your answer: 9h43
